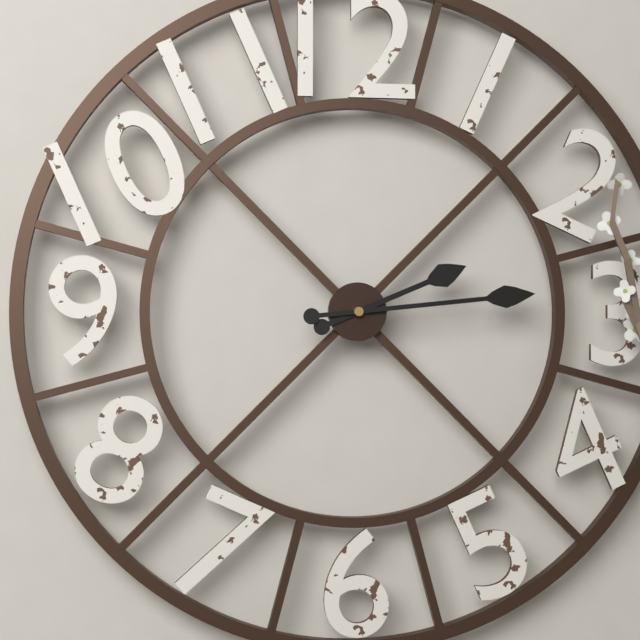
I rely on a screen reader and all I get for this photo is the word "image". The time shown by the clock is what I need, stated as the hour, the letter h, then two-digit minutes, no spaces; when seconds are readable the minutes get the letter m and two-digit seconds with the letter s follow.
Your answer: 2h14
